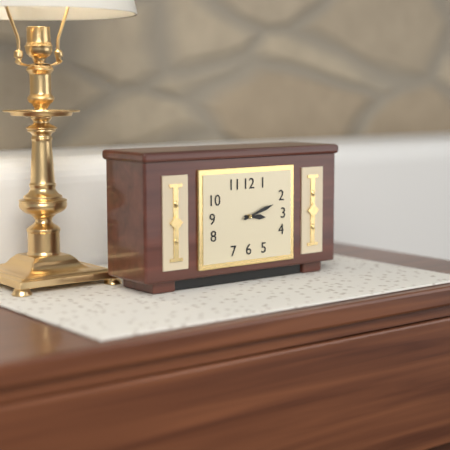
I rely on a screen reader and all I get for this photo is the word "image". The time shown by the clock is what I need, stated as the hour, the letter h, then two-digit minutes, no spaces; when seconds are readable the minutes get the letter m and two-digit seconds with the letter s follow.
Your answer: 3h12
